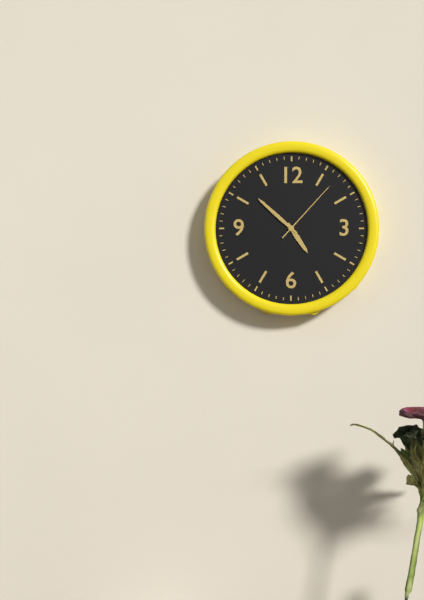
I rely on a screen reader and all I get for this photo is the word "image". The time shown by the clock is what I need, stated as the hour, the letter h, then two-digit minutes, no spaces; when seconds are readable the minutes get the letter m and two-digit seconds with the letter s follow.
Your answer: 4h52m07s
